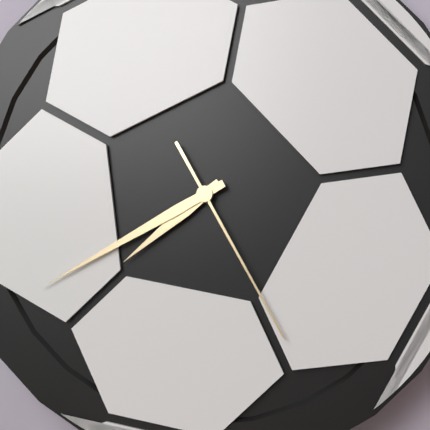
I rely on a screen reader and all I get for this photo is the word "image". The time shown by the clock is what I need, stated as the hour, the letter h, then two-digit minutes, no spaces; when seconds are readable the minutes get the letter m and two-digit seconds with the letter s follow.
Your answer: 7h40m25s
